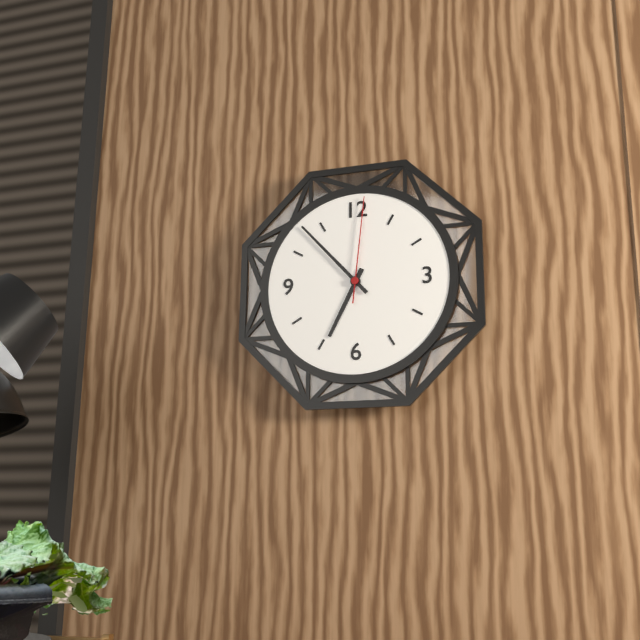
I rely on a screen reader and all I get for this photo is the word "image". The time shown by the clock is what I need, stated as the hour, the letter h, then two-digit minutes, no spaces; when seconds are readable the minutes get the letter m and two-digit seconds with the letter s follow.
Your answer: 6h53m01s
